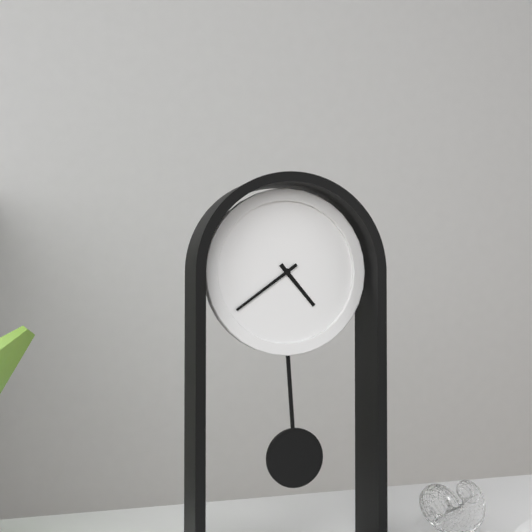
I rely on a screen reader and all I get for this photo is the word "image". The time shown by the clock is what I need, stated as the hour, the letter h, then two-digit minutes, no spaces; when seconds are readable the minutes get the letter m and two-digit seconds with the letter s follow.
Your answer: 4h39
